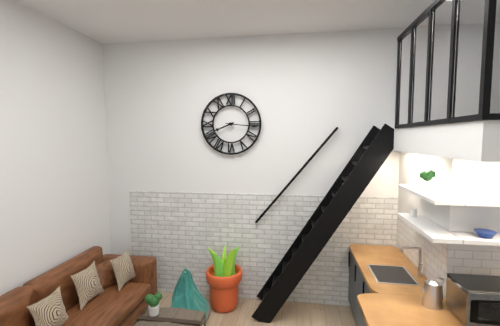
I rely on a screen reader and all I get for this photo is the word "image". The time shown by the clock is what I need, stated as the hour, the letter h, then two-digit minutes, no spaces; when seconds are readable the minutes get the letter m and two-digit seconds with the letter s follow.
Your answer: 8h16
